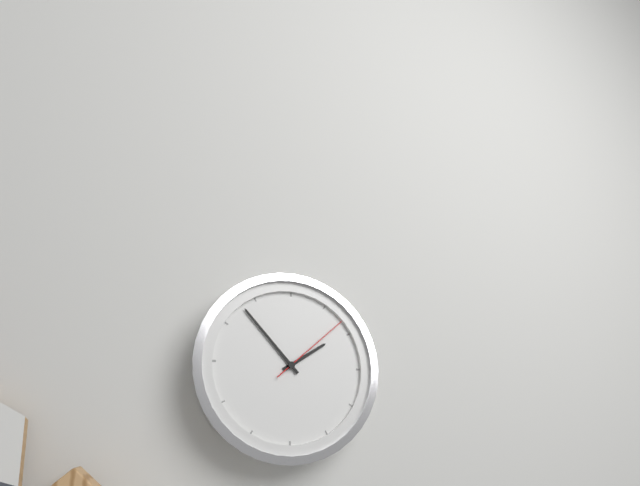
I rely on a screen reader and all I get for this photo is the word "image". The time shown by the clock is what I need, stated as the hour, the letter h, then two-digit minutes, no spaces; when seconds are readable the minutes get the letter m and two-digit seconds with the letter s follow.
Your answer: 1h53m08s
